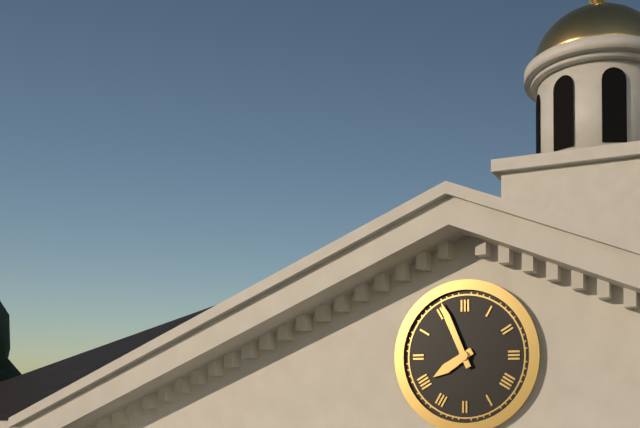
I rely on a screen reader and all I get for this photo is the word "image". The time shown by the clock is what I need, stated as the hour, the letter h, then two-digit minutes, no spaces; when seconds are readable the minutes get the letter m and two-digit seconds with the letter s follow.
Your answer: 7h56
